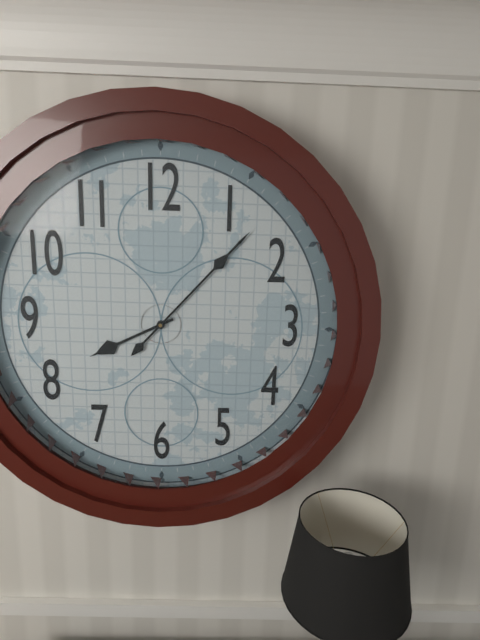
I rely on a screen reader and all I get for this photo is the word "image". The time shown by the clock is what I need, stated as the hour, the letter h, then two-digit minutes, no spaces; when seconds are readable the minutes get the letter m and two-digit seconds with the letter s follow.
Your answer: 8h07
